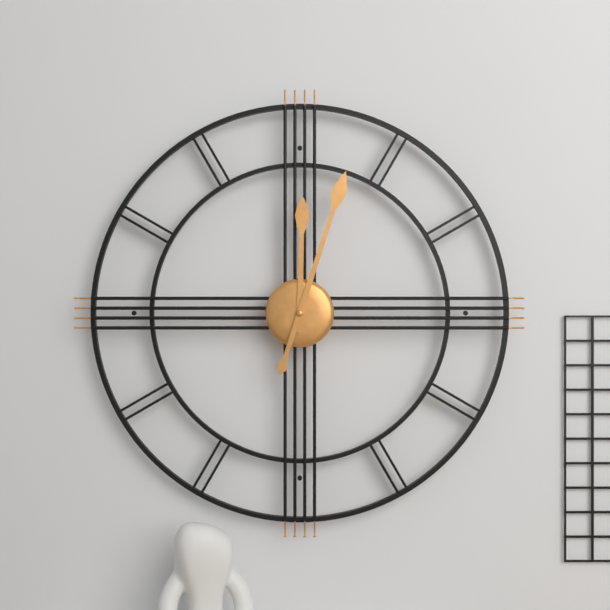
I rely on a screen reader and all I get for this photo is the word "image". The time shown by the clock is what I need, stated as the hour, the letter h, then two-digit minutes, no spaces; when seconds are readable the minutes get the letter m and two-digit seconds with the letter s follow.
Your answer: 12h03
